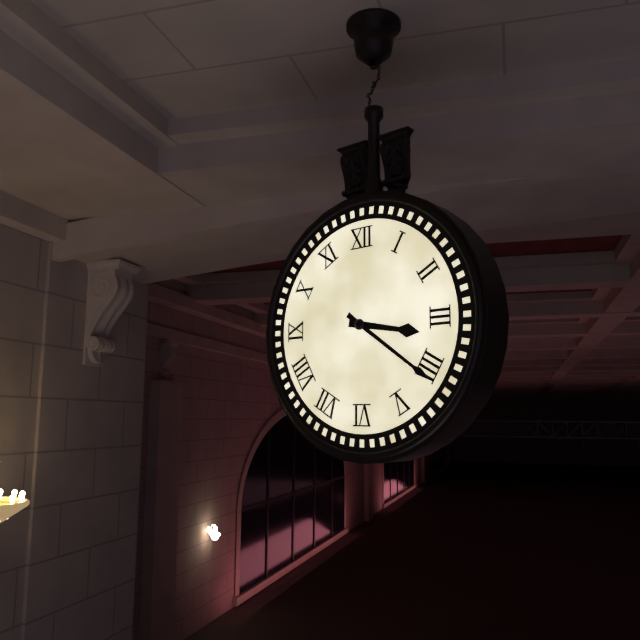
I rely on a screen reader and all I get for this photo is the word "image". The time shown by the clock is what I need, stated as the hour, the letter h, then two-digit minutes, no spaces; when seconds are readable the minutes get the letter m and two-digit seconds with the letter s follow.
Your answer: 3h21
